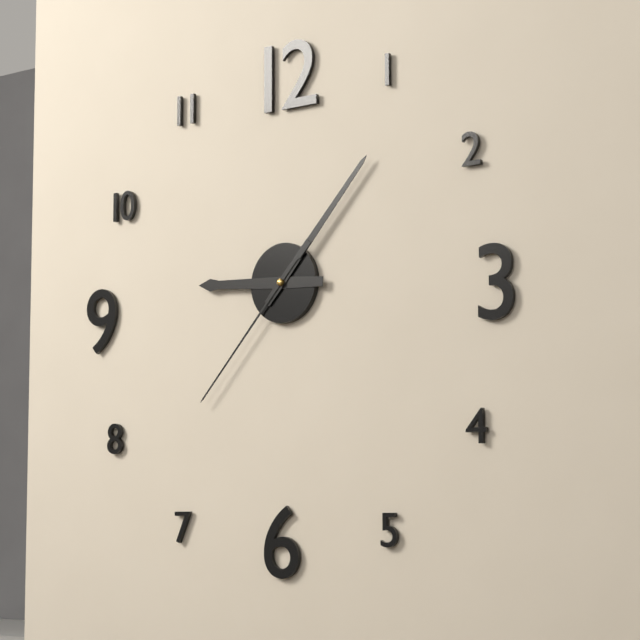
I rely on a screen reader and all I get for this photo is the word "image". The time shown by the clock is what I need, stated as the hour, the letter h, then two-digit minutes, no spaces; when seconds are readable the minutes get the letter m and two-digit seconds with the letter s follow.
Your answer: 9h07m37s
